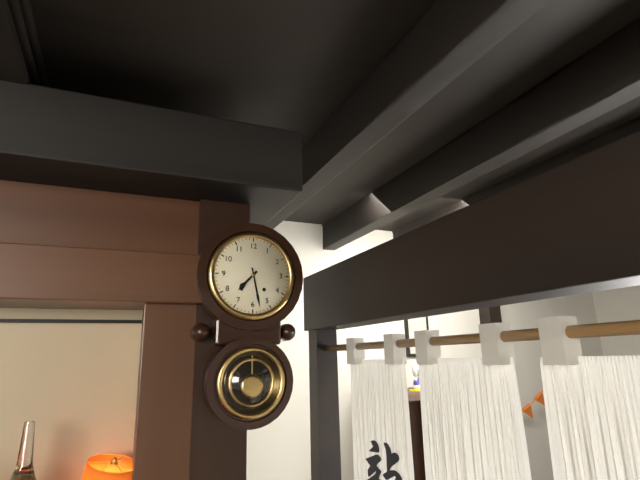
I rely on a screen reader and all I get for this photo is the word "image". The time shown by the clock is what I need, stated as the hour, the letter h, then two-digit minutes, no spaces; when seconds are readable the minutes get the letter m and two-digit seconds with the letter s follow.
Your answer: 7h28
